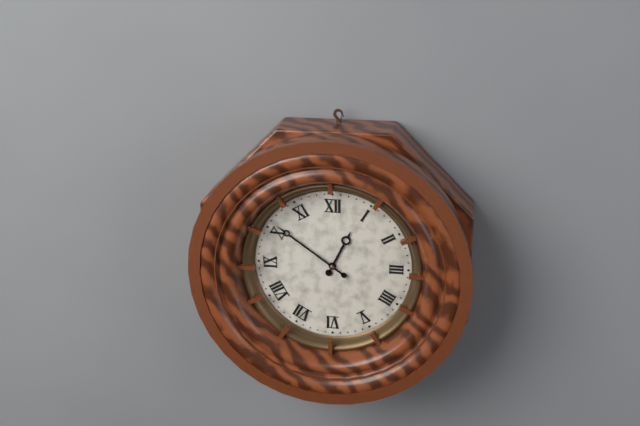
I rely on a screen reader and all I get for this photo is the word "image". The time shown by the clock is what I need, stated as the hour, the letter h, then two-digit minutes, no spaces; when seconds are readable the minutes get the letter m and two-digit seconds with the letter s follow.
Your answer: 12h51
